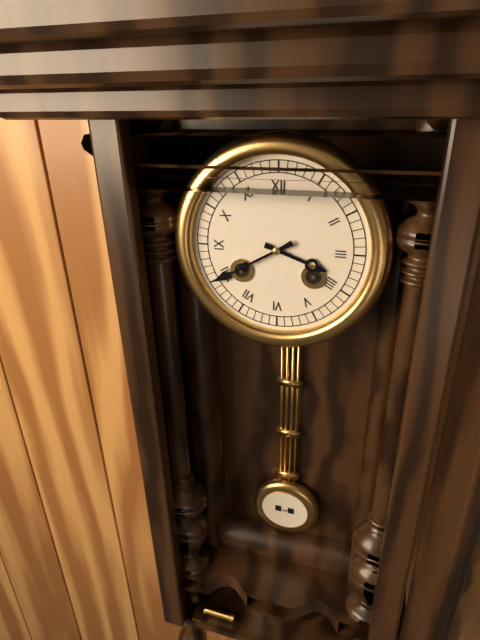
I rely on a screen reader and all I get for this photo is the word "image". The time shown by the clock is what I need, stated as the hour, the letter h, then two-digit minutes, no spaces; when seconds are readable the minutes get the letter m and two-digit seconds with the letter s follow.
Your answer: 3h40
